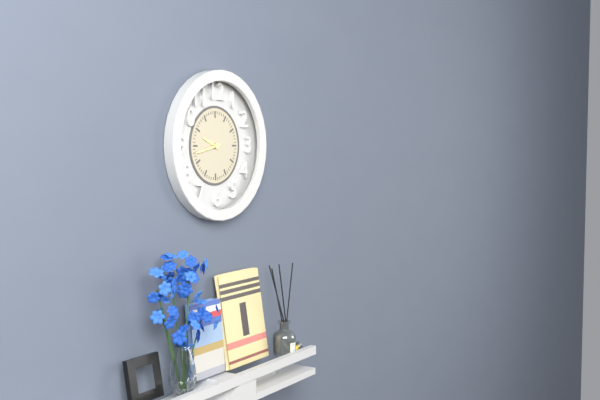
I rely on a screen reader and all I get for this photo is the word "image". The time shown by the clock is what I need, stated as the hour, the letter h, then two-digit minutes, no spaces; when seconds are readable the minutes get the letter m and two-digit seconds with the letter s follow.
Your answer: 9h43
